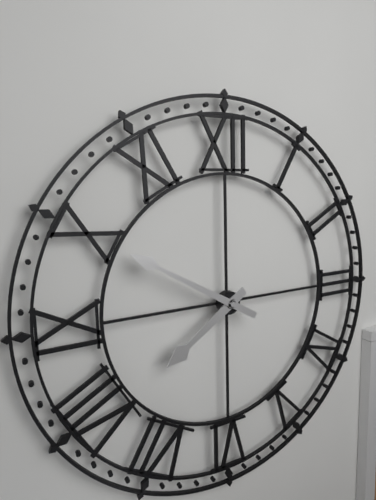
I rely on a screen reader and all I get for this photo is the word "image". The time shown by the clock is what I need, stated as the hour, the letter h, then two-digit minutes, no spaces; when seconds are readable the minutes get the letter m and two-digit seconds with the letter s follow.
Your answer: 7h50
